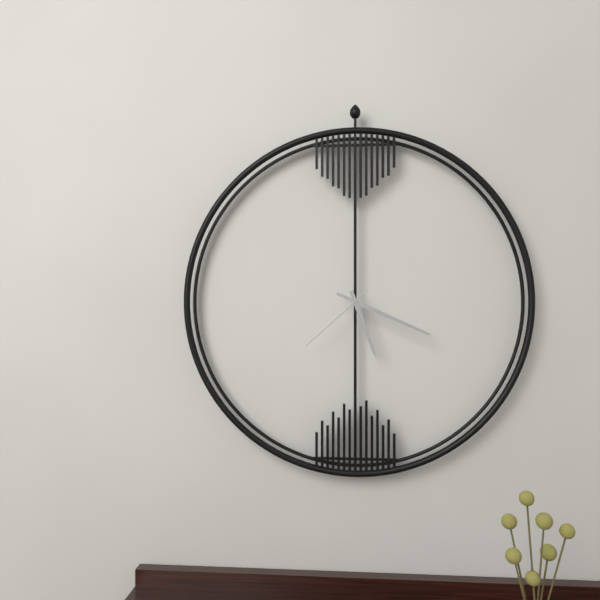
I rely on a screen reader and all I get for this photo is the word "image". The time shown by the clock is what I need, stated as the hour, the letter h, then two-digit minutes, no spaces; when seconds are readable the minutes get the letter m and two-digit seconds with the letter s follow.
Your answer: 5h19m38s
